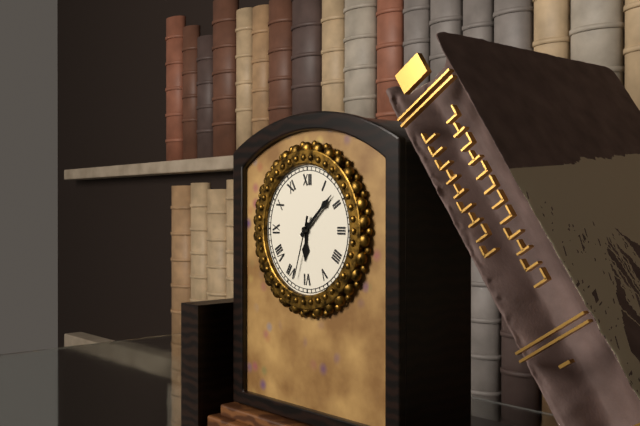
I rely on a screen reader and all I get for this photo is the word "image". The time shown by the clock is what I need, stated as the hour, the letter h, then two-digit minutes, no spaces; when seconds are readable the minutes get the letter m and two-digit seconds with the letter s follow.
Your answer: 6h08m33s
